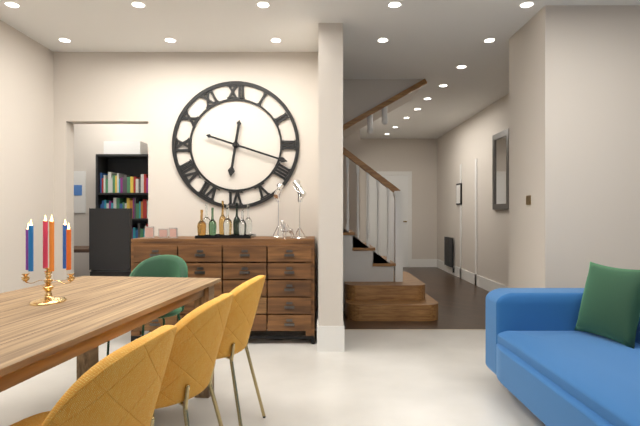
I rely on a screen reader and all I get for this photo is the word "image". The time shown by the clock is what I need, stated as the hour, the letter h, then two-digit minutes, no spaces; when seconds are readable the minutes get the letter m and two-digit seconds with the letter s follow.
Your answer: 6h18
